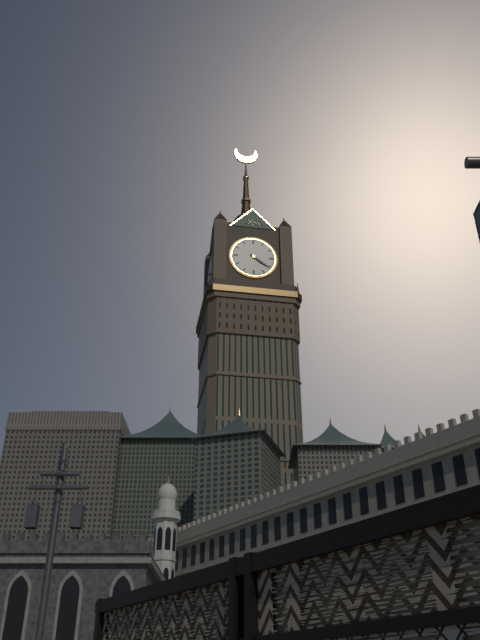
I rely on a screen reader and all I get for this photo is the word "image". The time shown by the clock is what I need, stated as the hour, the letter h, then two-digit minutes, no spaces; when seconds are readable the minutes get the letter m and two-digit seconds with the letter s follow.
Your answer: 4h21
